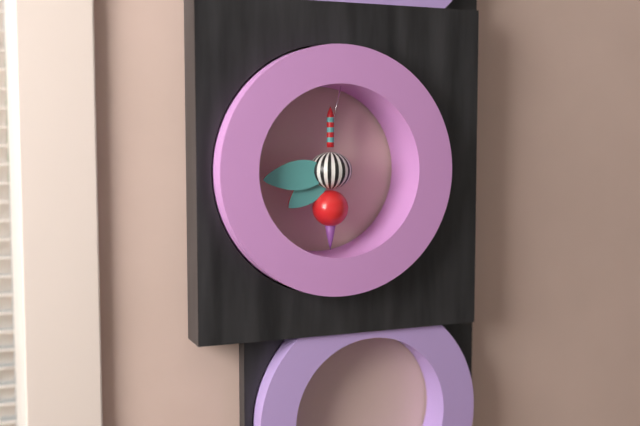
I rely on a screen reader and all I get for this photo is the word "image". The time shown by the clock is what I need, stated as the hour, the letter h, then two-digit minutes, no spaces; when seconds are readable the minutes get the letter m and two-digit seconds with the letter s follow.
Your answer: 7h44
